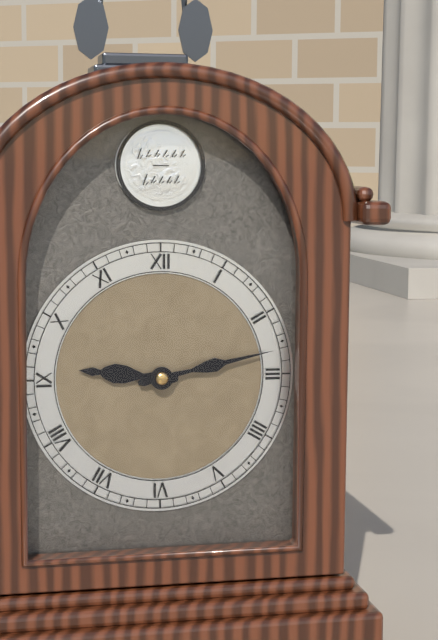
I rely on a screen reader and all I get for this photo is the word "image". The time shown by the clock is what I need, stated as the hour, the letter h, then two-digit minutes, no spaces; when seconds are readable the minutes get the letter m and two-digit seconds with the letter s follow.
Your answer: 9h13
